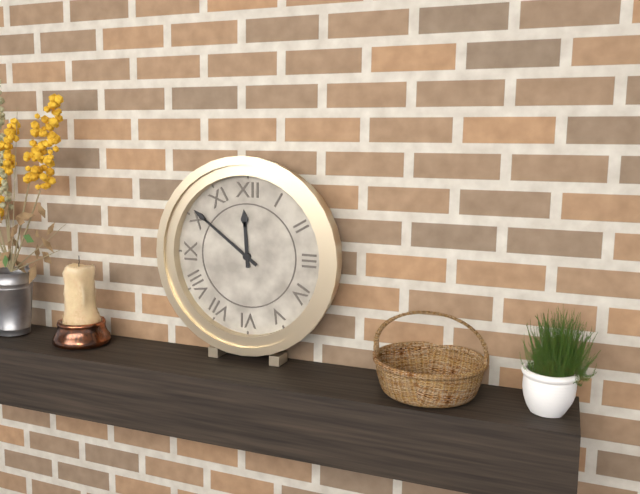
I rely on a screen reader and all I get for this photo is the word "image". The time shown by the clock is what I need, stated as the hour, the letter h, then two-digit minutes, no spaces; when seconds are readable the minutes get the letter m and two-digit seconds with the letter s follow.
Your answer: 11h51
